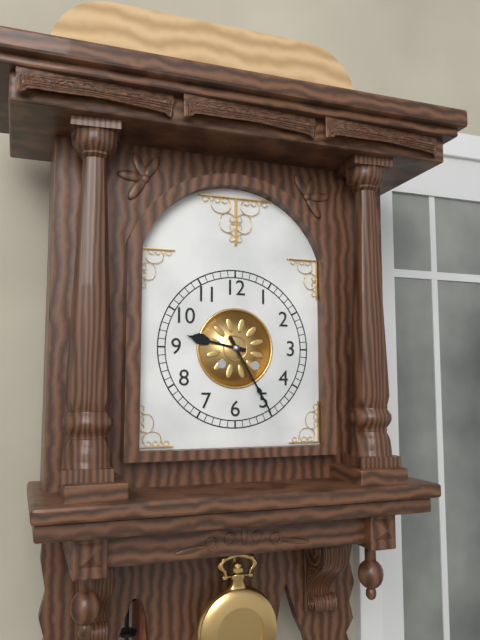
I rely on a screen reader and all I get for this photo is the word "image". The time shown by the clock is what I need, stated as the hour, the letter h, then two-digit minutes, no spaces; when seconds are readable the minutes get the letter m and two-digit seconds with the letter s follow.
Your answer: 9h25
